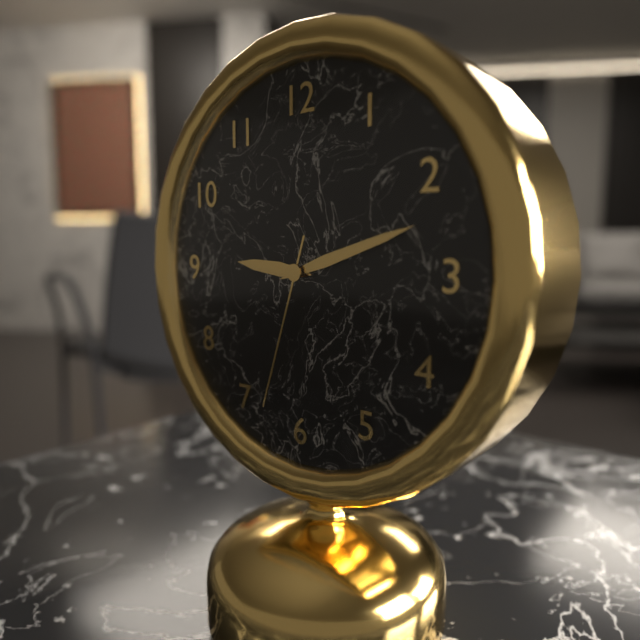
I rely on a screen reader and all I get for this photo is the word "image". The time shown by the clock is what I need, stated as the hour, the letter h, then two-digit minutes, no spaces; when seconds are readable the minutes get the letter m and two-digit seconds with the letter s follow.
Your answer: 9h12m33s
